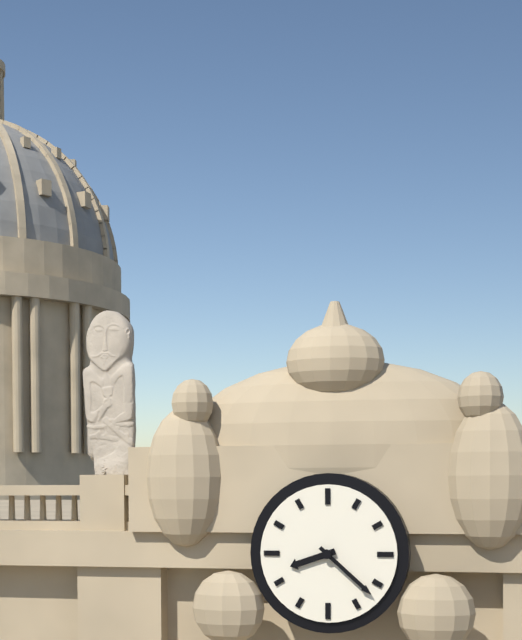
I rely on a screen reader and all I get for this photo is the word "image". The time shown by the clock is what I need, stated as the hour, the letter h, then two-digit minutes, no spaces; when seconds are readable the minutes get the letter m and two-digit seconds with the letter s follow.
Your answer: 8h22
